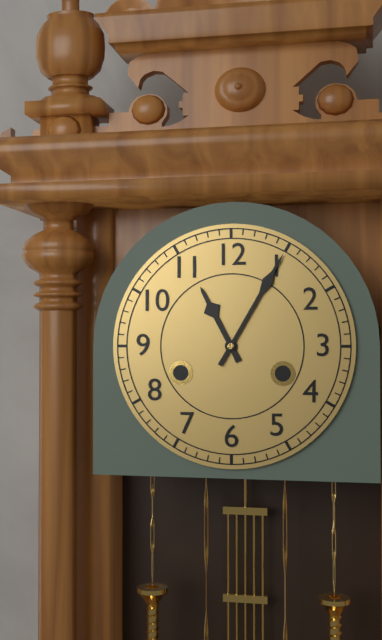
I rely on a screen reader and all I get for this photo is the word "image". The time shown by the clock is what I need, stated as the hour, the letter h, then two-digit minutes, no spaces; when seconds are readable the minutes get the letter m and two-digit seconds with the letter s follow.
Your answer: 11h05
